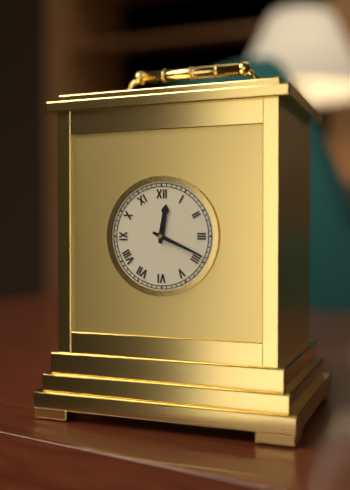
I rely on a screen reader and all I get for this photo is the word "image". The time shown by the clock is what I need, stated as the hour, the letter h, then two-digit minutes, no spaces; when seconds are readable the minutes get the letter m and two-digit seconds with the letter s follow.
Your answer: 12h19
